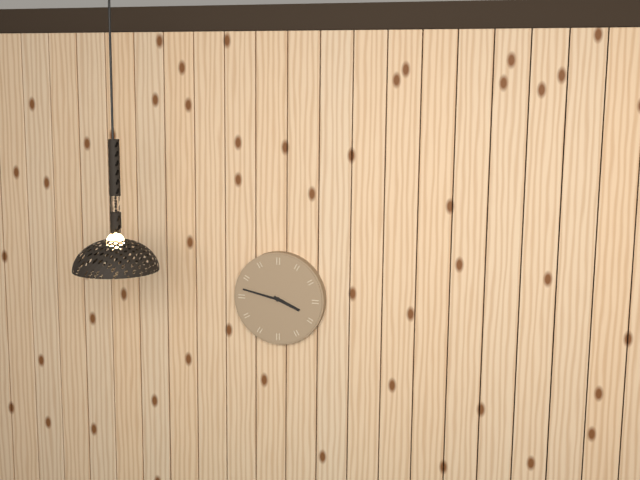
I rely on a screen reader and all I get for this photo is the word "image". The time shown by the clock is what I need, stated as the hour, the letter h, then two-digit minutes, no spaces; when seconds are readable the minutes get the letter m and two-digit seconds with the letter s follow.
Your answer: 3h47
